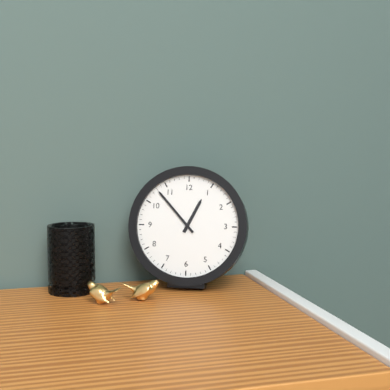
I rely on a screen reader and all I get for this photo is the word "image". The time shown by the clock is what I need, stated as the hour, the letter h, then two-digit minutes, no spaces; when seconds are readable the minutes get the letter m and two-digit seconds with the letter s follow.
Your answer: 12h53
